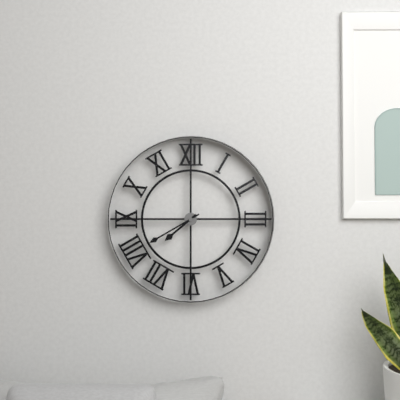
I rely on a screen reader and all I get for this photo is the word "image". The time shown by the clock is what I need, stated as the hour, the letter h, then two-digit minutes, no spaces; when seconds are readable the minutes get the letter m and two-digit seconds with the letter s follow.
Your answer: 7h40
